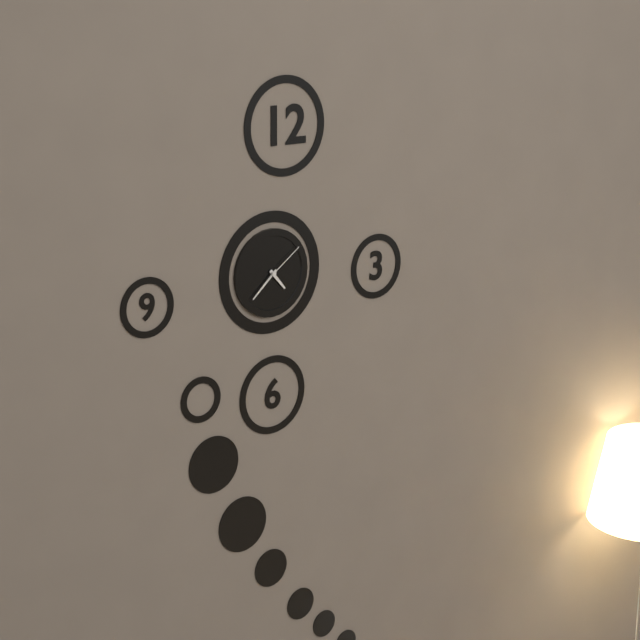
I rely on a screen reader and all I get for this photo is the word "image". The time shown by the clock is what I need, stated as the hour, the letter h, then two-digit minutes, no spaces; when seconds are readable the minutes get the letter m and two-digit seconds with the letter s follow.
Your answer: 4h38
